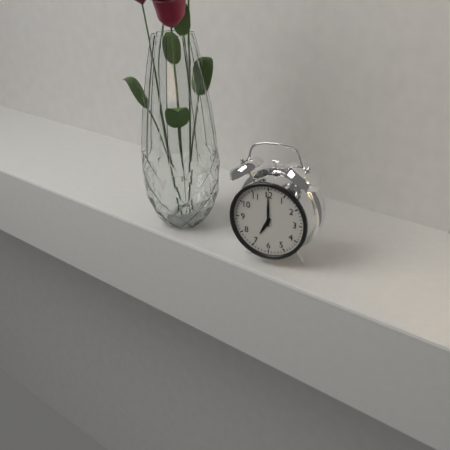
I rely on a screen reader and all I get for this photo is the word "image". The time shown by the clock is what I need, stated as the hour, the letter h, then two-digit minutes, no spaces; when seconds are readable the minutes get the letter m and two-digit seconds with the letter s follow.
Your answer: 7h00
